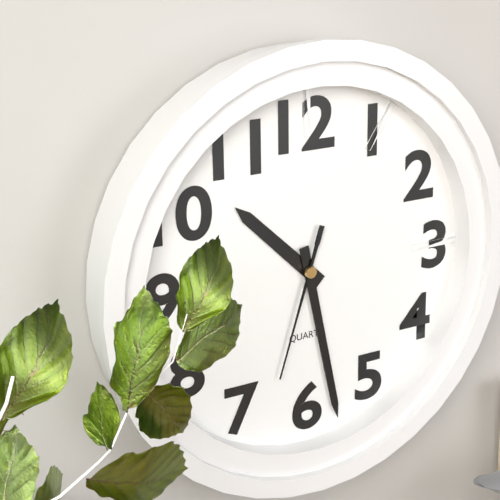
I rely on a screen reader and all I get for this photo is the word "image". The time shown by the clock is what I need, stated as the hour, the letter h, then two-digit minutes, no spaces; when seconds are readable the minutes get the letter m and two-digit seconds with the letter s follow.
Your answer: 10h28m33s
